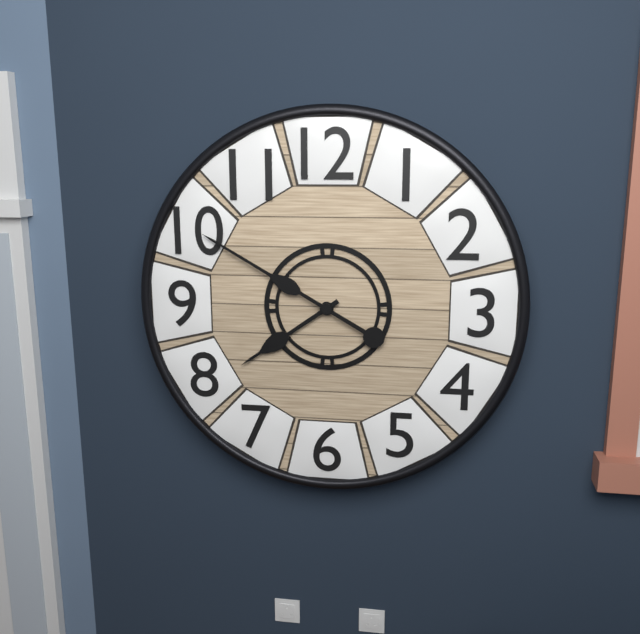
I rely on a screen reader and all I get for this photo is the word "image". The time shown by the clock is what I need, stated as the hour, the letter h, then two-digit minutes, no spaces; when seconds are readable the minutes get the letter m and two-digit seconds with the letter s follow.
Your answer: 7h50
